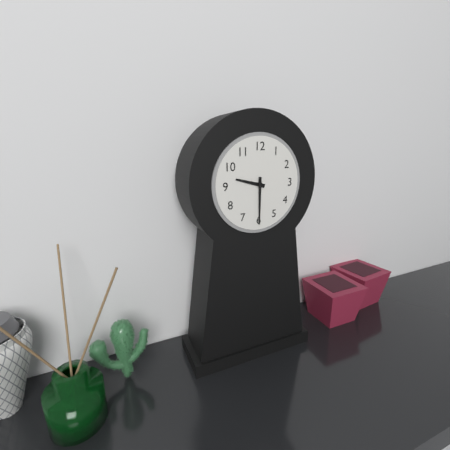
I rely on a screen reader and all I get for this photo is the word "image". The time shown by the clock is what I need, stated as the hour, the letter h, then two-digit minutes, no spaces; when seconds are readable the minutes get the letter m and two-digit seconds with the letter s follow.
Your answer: 9h30
